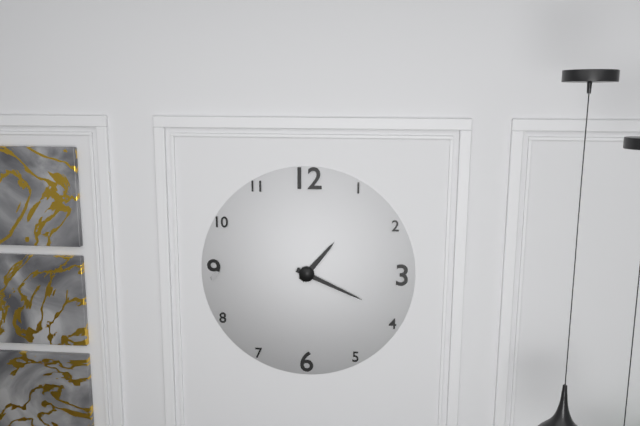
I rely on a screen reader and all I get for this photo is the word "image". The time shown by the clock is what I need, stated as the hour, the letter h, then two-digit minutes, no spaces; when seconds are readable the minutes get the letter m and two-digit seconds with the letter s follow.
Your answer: 1h19
